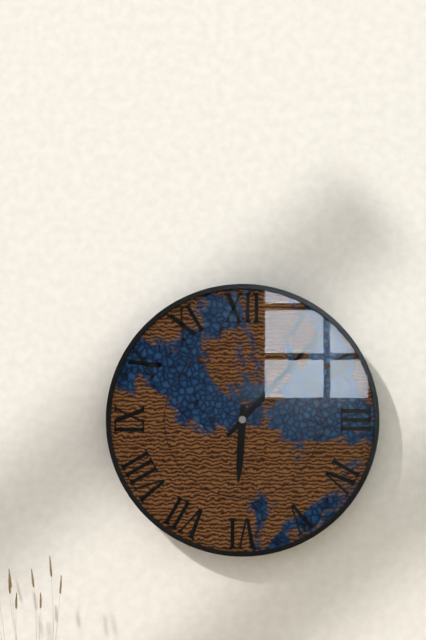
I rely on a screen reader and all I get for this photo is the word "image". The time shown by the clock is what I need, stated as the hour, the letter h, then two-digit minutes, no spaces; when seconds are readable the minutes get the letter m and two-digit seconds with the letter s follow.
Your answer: 6h07
